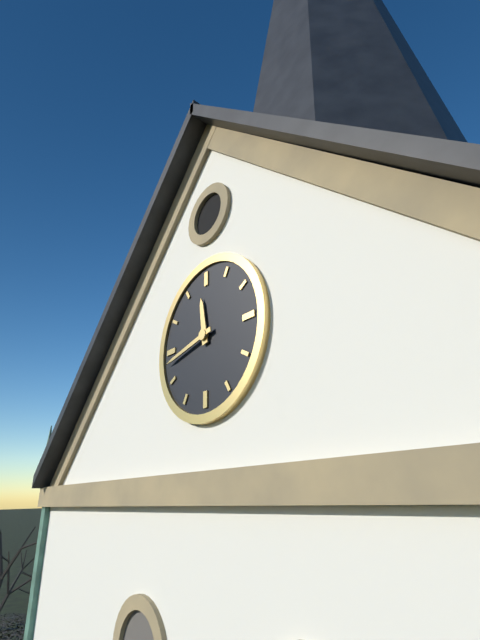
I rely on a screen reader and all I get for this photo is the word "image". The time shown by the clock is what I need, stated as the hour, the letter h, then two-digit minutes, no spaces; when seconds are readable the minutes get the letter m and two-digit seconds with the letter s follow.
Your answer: 11h43
